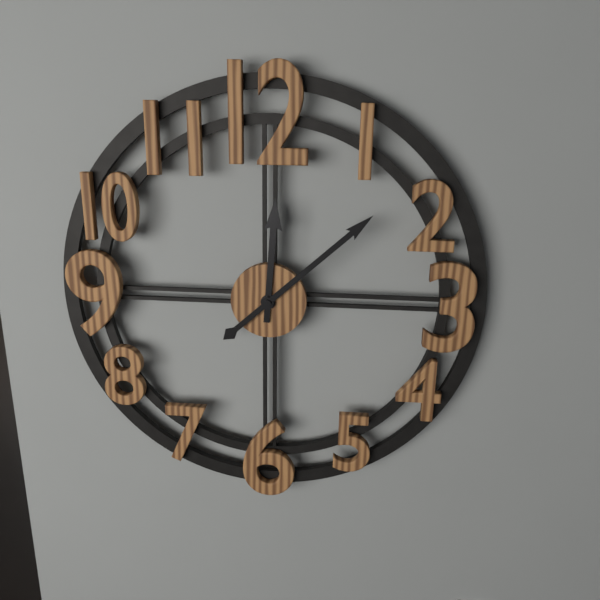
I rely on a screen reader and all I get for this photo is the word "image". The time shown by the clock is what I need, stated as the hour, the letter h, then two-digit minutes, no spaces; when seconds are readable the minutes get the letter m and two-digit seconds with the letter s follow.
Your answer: 12h08
